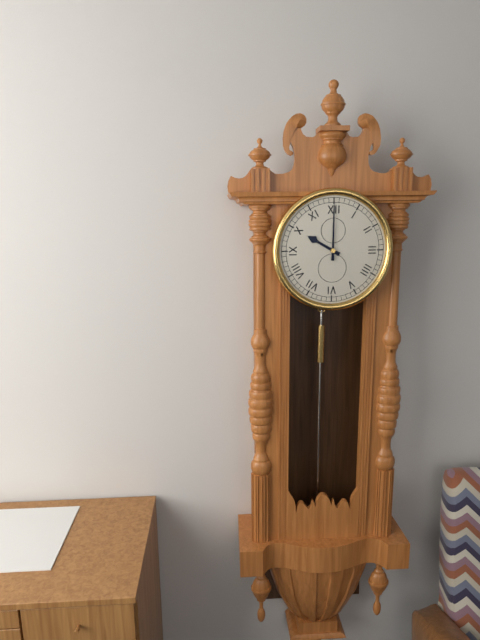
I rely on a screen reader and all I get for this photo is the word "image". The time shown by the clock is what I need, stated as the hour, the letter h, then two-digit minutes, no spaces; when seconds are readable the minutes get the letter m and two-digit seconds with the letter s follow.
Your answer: 10h00
